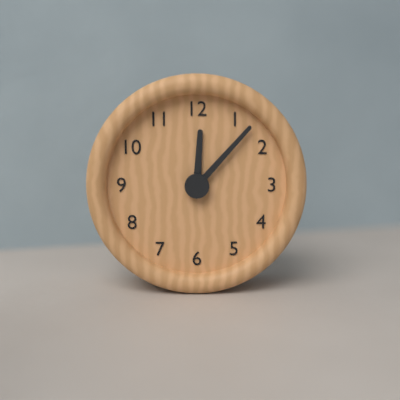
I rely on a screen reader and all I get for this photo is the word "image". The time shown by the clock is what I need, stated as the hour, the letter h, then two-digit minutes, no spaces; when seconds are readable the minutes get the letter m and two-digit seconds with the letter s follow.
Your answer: 12h07
